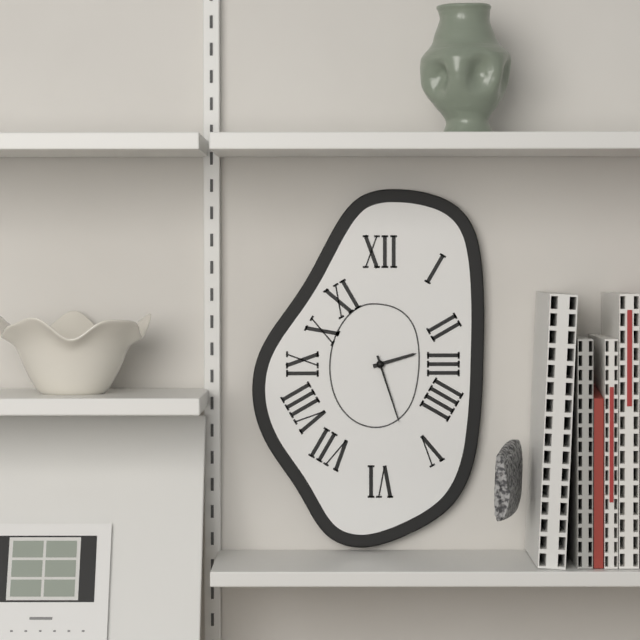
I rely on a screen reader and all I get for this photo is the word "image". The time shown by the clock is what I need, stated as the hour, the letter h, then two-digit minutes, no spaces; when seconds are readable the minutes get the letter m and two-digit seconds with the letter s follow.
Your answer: 2h27
